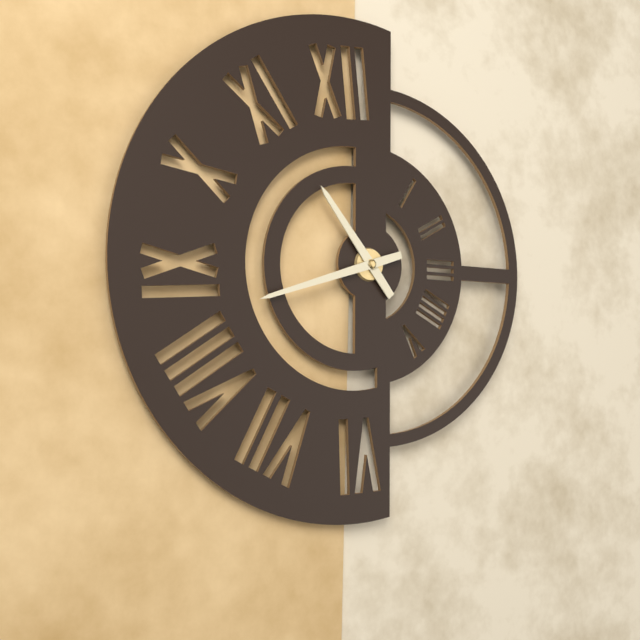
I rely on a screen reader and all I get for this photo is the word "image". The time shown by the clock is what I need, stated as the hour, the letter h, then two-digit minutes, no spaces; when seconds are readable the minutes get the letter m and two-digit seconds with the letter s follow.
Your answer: 10h42
